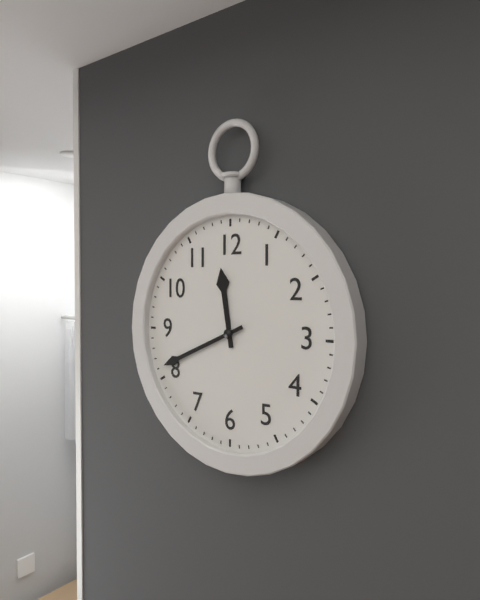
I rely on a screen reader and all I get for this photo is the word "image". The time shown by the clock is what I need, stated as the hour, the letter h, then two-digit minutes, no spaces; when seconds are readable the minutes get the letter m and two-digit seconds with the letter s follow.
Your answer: 11h41
